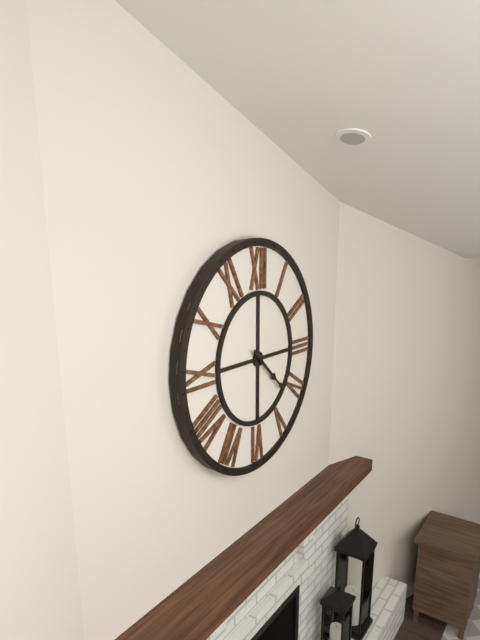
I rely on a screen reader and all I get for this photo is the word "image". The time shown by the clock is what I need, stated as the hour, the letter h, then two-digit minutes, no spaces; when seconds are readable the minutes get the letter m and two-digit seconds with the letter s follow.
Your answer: 4h22
